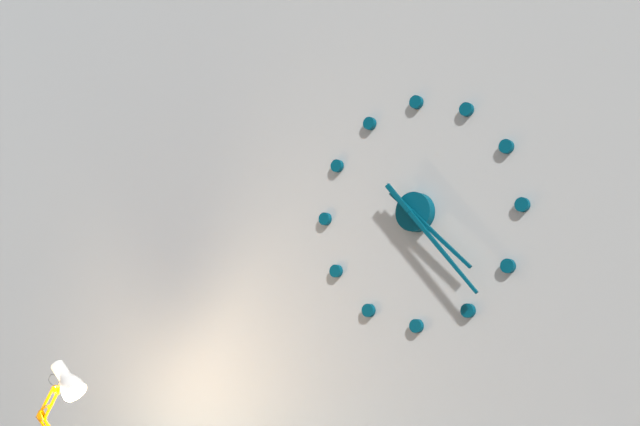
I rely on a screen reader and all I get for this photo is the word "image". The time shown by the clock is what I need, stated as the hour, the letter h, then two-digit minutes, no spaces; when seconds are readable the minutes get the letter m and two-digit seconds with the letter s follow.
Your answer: 4h23
